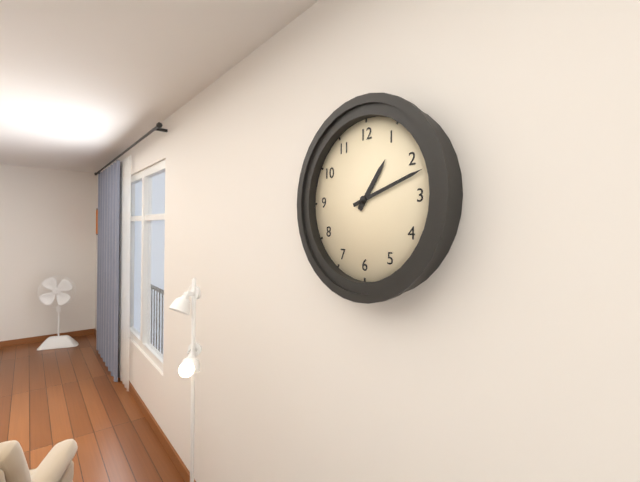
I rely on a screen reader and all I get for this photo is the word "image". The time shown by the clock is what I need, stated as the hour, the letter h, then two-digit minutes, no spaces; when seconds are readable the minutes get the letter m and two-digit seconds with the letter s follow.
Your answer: 1h12
